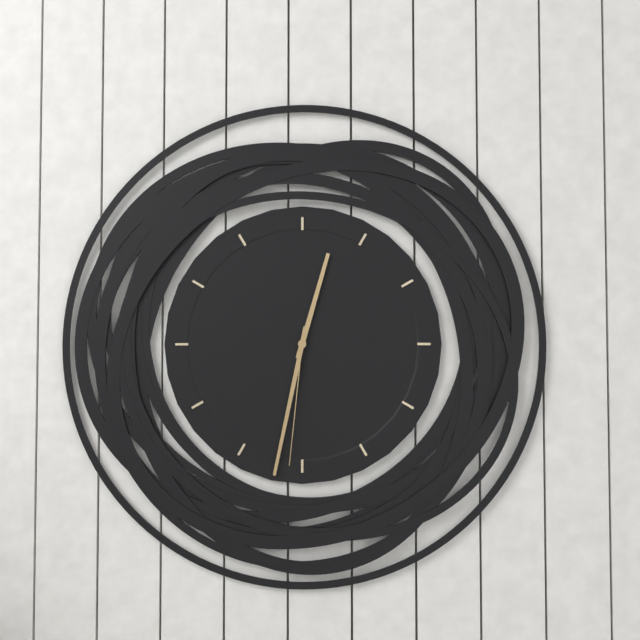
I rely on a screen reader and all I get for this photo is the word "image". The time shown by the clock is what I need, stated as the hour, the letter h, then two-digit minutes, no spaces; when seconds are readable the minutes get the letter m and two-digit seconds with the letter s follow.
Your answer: 12h32m31s
